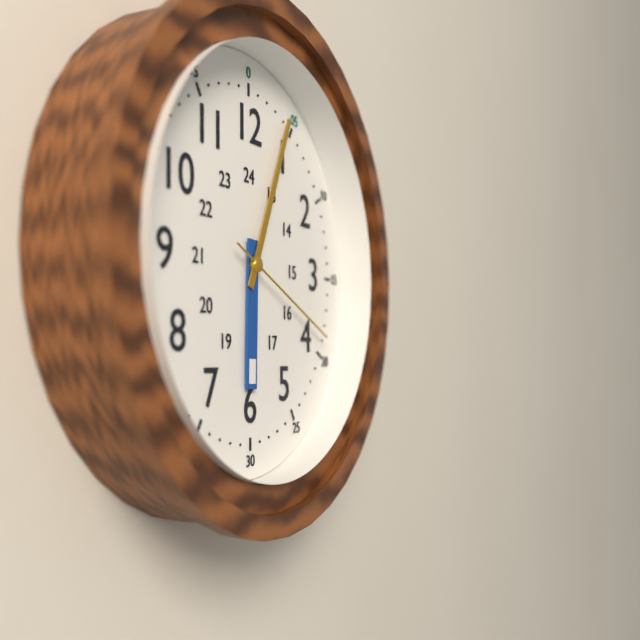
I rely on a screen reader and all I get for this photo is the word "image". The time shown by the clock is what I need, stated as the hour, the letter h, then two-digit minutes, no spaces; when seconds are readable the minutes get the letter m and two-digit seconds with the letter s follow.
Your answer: 6h04m19s
